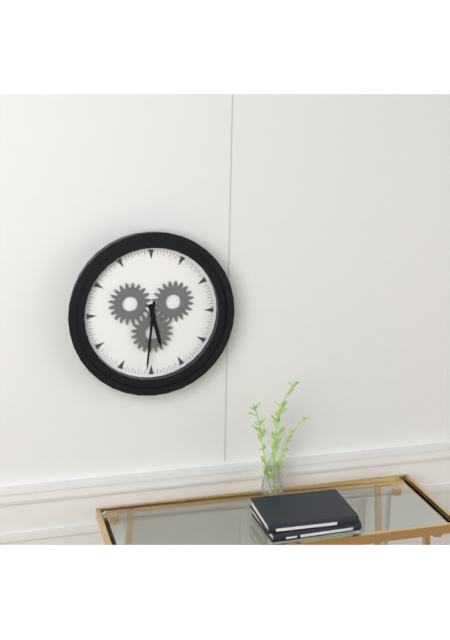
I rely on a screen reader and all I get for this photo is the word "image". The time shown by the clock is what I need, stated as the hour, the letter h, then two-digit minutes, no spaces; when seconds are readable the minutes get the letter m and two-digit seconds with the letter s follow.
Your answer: 5h31
